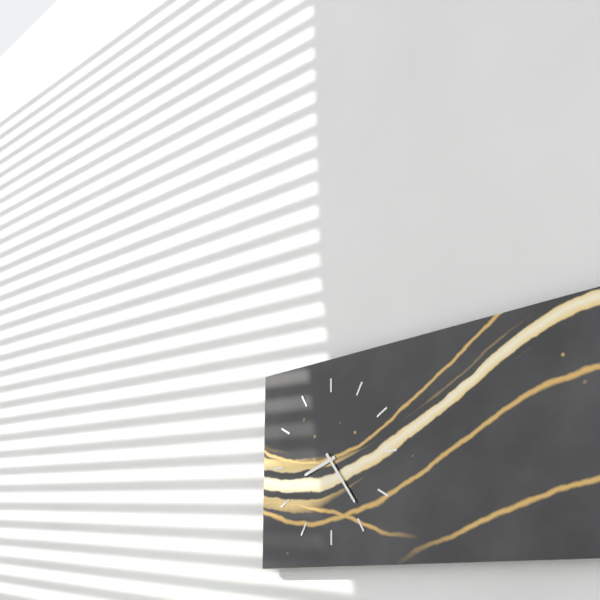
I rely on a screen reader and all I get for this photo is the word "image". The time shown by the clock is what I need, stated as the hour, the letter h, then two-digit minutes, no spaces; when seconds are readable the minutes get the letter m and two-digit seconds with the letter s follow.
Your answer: 8h24
